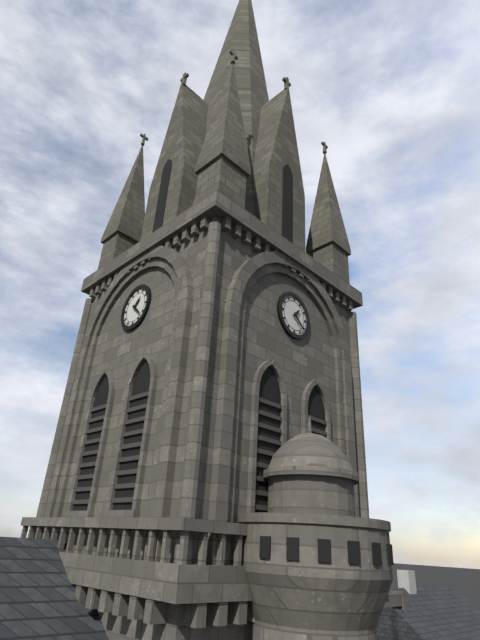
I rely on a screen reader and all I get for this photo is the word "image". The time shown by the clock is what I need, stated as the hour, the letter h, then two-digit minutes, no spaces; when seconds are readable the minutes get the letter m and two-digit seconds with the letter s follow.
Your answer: 1h22
